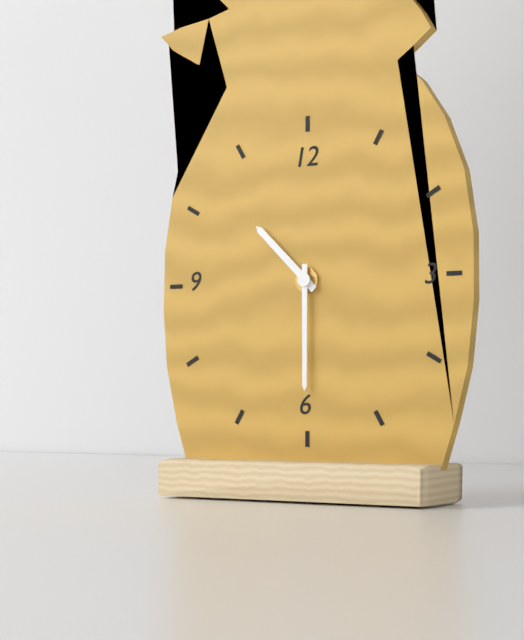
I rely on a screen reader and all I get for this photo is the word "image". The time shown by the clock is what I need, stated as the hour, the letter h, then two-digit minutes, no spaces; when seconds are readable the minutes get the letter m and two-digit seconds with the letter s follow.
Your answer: 10h30
